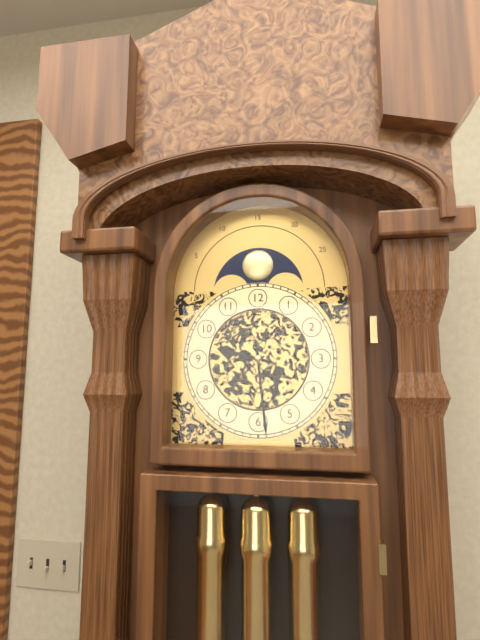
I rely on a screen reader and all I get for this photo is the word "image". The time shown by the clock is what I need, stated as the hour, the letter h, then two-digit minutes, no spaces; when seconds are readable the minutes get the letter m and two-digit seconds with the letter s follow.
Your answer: 9h29
